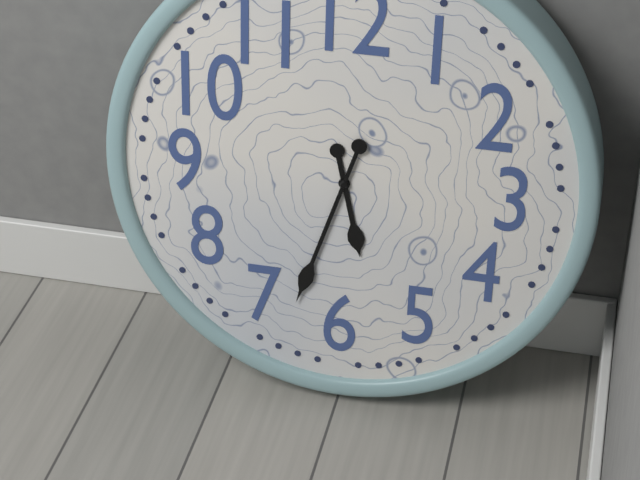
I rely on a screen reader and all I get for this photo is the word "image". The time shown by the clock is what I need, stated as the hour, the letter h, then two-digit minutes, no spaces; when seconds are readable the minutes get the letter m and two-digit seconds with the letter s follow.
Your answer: 5h33
